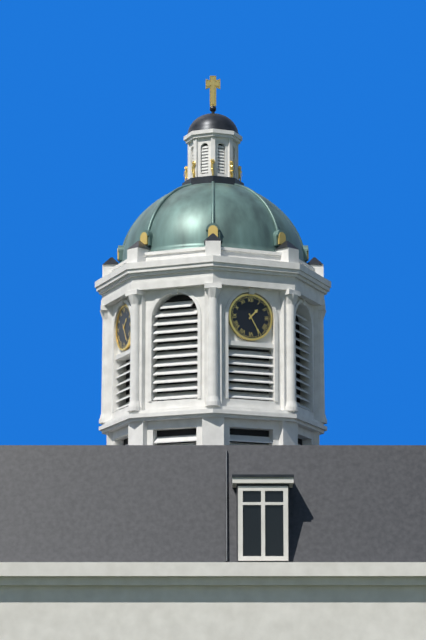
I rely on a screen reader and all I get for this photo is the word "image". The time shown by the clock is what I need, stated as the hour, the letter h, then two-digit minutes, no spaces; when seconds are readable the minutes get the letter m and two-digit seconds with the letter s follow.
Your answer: 1h25
